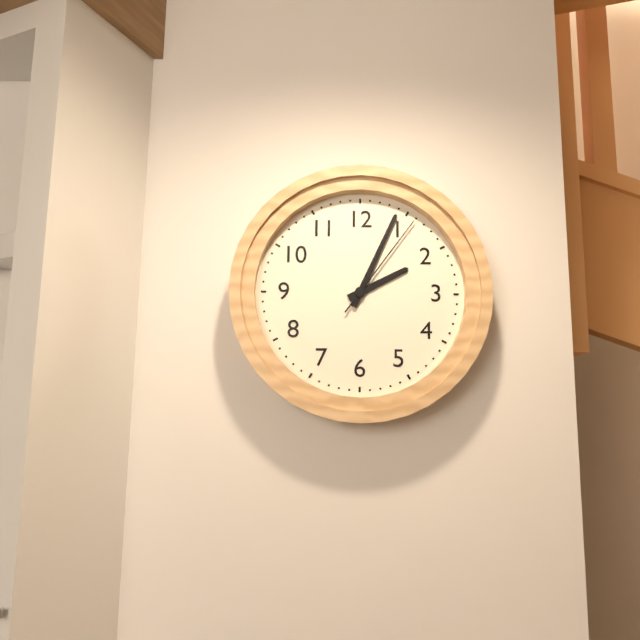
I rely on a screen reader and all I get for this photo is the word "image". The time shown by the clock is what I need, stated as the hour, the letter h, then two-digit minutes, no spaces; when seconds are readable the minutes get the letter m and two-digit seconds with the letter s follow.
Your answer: 2h04m06s
